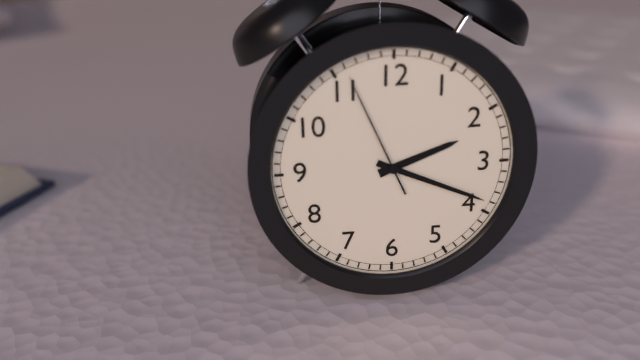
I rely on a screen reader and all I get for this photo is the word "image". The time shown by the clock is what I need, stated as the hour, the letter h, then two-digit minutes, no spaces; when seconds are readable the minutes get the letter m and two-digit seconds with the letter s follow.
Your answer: 2h19m56s
